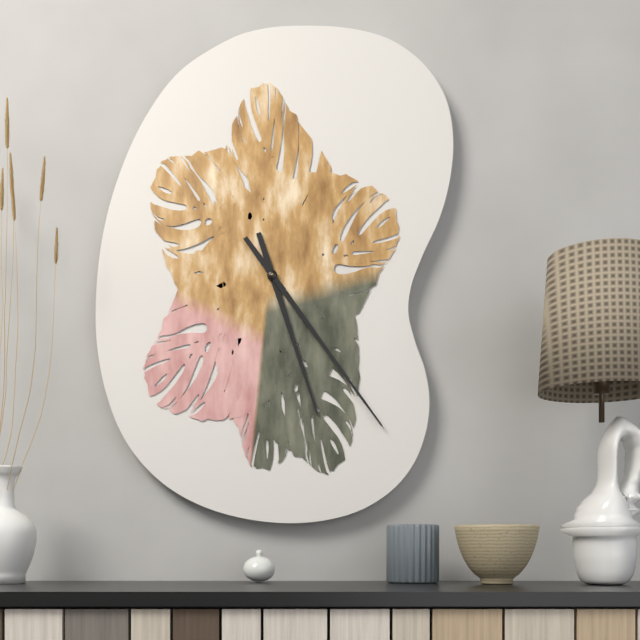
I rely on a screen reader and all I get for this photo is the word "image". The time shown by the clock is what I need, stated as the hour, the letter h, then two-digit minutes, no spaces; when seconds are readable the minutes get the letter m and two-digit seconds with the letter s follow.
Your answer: 5h24
